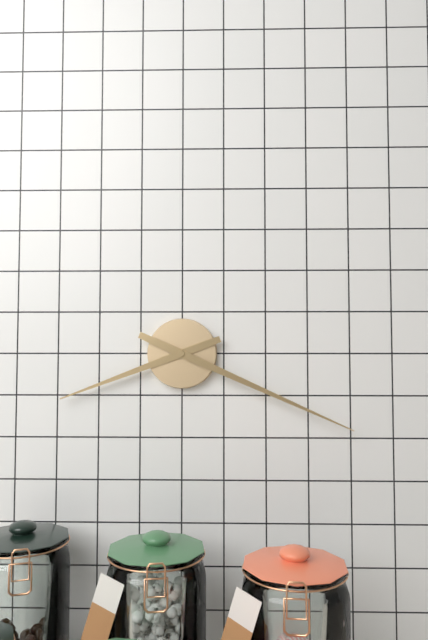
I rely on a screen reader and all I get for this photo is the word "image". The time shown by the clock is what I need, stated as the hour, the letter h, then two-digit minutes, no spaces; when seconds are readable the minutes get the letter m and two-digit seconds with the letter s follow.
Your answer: 8h19
